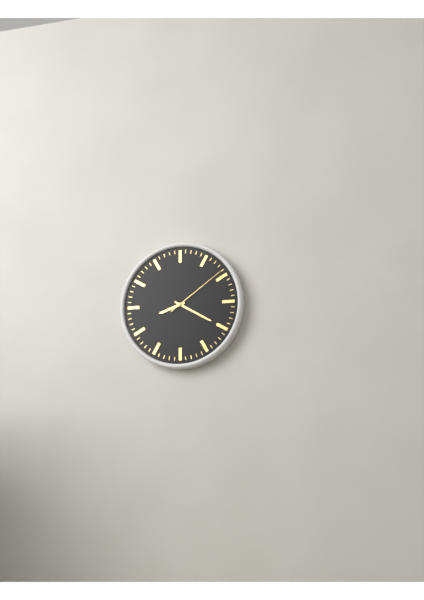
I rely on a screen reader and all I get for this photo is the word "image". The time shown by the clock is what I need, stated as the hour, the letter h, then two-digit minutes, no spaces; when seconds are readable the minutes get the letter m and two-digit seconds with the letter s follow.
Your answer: 8h20m09s
